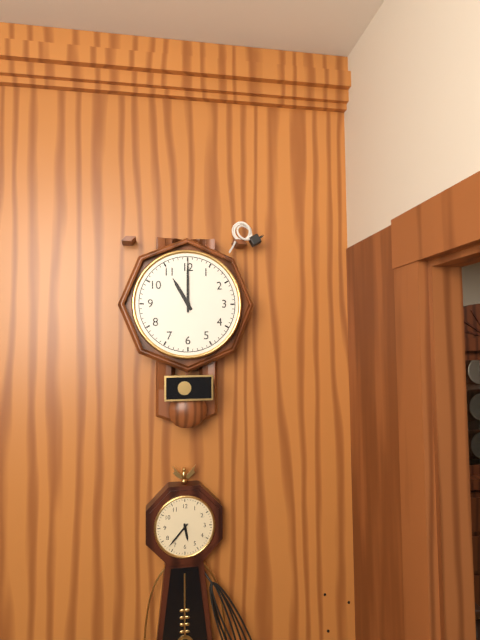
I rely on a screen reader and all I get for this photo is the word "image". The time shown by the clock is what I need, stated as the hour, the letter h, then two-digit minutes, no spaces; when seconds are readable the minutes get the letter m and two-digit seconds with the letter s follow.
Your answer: 11h00
